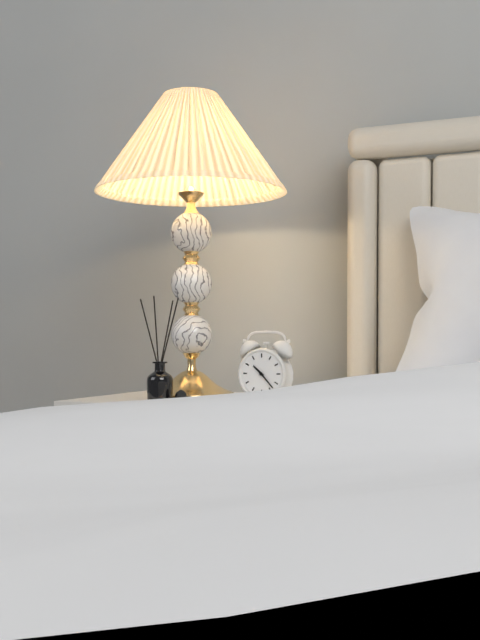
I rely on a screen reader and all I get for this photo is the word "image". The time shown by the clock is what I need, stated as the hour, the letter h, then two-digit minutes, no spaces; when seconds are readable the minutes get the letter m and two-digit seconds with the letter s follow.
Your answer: 10h23
